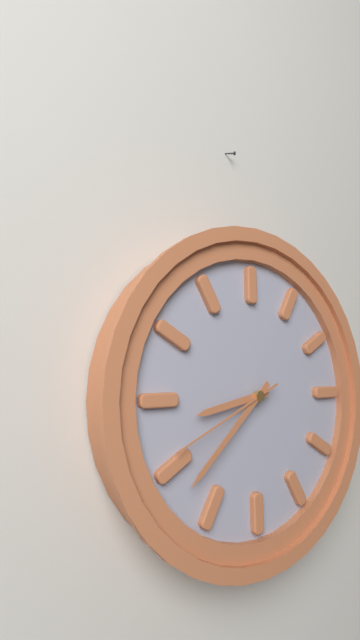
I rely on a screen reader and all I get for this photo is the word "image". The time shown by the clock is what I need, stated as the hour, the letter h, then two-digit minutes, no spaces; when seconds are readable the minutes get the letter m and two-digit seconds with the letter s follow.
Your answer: 8h38m41s
